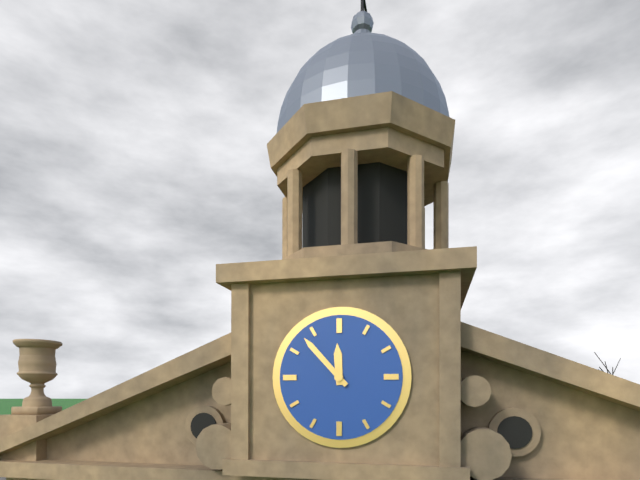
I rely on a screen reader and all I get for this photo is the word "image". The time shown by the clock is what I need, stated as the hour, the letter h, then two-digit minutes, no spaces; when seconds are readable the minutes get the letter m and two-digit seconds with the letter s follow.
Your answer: 11h53
